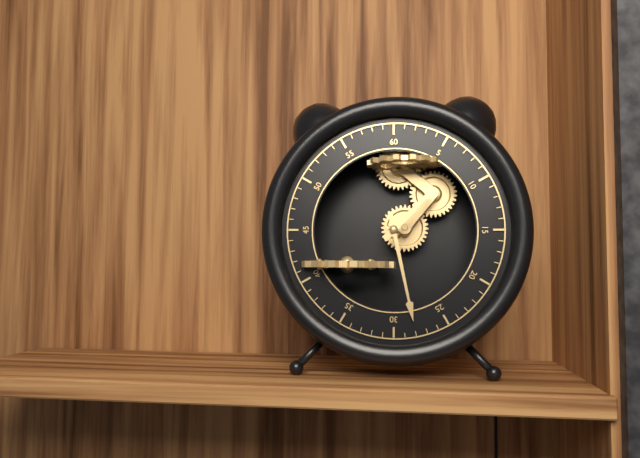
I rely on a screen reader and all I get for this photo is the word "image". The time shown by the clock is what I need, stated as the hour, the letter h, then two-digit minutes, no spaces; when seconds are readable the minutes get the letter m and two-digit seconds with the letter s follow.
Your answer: 1h28
